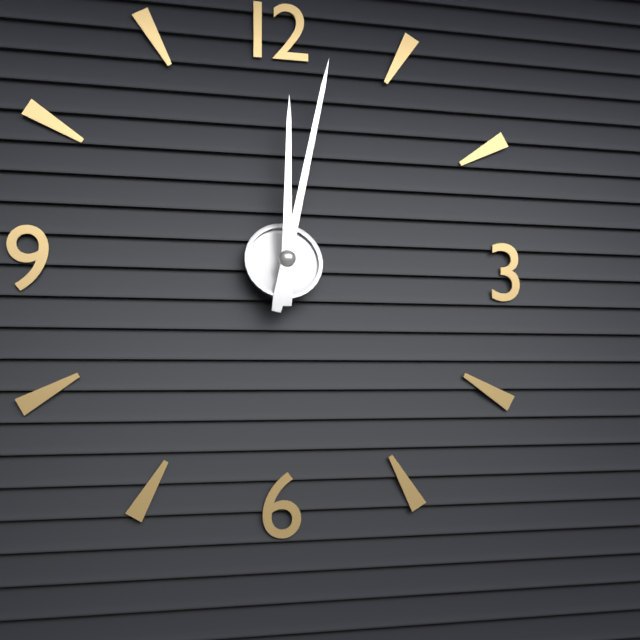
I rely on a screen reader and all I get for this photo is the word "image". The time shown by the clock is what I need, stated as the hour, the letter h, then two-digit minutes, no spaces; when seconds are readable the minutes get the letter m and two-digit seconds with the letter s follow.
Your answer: 12h02
